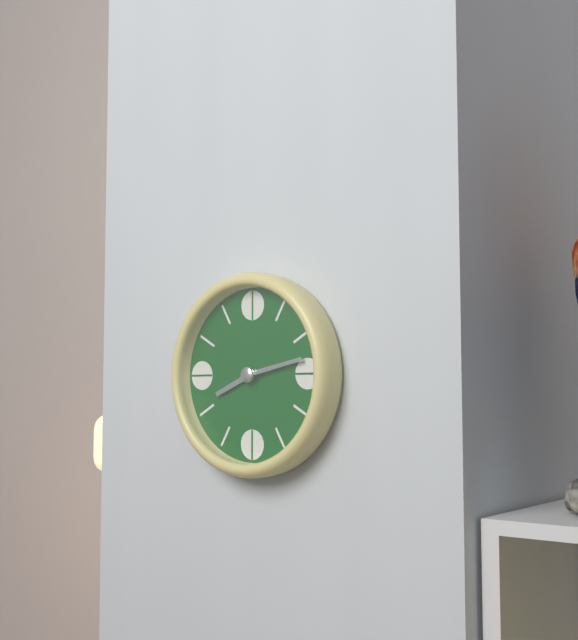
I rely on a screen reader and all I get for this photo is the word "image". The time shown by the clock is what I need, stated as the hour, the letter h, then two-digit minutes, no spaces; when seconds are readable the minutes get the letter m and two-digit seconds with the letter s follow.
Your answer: 8h13
